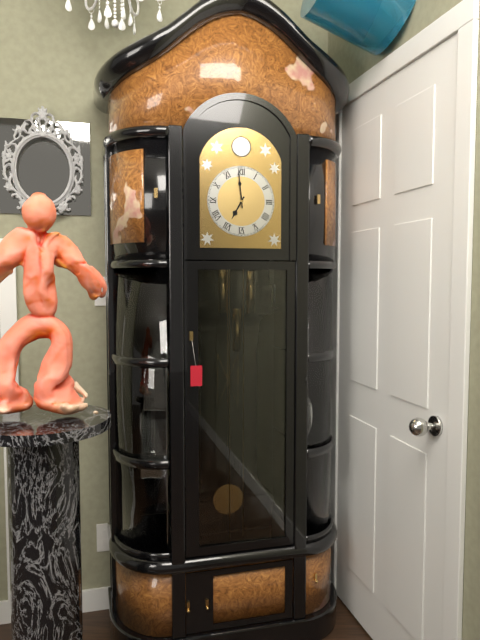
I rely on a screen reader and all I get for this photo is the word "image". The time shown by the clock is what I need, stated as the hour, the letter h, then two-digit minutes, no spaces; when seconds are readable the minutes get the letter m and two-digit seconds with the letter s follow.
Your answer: 6h59
